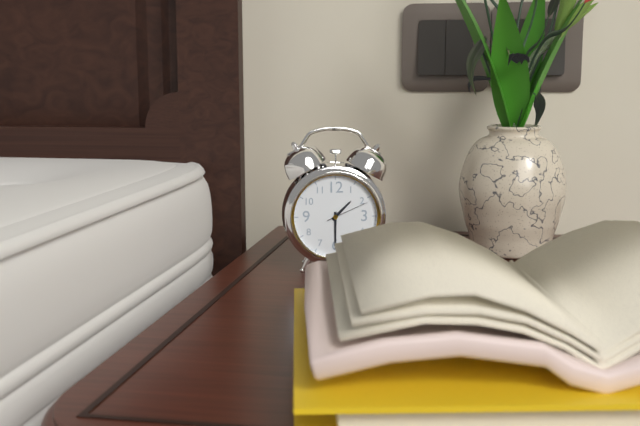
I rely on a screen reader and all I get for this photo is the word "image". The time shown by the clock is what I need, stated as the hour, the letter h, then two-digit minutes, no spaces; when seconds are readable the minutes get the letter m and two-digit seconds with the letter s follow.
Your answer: 1h30
